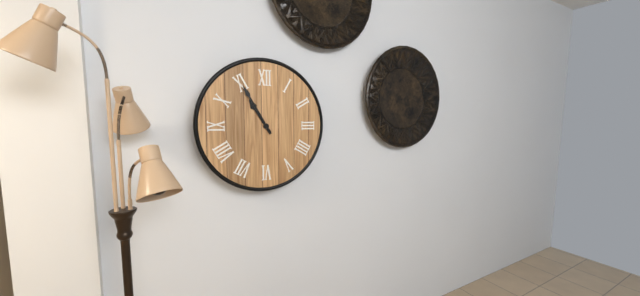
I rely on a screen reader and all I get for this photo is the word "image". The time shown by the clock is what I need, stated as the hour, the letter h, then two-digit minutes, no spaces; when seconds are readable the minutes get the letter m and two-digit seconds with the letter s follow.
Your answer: 10h55
